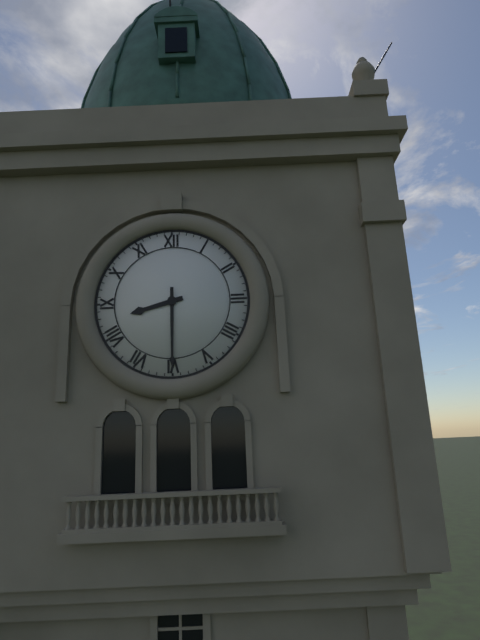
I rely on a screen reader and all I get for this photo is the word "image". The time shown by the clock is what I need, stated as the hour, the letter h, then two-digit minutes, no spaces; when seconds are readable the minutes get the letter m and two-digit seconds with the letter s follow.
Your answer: 8h30
